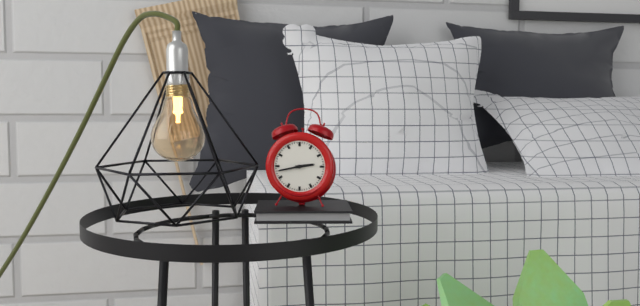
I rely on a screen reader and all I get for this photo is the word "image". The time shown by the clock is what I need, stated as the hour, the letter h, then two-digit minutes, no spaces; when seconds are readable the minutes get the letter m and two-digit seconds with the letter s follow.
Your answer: 2h43
